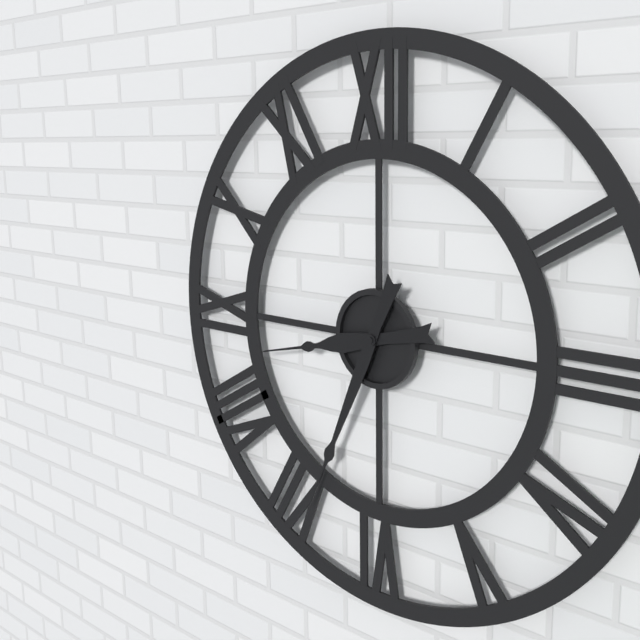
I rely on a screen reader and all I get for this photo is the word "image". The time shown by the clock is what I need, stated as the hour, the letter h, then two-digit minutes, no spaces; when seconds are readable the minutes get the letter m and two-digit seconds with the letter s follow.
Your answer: 8h34
